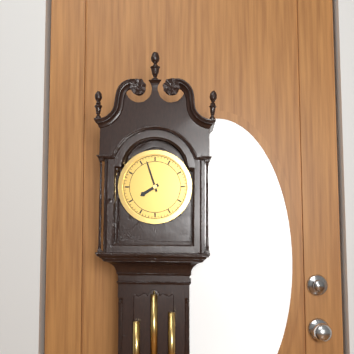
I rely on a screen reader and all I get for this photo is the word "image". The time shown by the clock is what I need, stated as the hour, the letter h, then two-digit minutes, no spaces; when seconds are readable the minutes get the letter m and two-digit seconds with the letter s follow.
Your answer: 7h57
